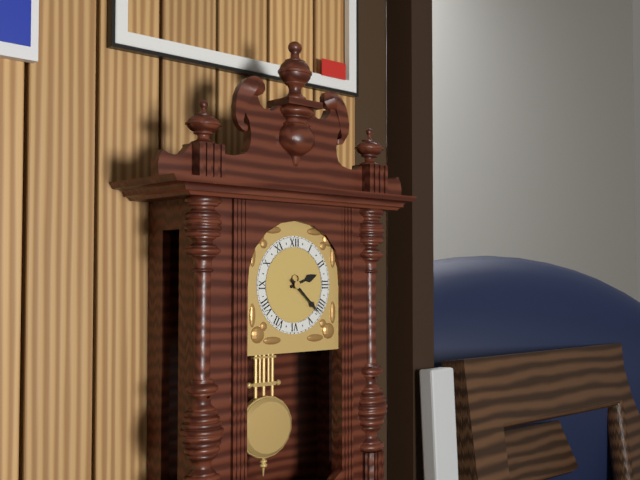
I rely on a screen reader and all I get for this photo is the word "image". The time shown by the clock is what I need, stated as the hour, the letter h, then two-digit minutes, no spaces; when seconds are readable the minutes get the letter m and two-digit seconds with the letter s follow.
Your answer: 2h22
